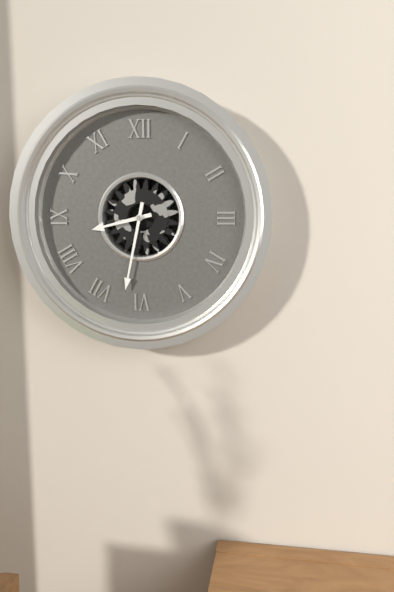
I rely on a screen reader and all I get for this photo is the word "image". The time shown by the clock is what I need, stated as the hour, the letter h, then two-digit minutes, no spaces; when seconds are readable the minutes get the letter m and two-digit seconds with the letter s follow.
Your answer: 8h32
